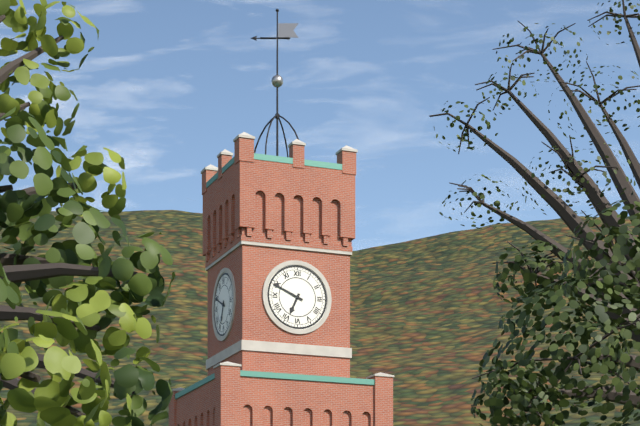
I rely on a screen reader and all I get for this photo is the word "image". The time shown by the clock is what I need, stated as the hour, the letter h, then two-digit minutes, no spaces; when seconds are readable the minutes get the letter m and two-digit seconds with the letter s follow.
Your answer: 6h49
